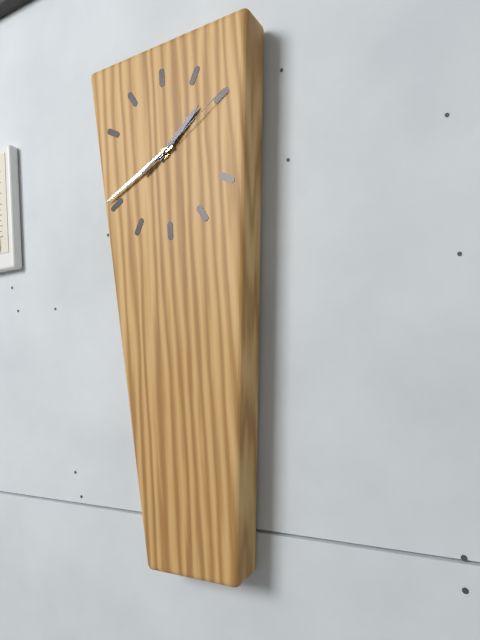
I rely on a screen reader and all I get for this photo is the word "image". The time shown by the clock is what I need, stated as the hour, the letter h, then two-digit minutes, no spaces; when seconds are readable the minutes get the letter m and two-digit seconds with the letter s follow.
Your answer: 1h41m10s
